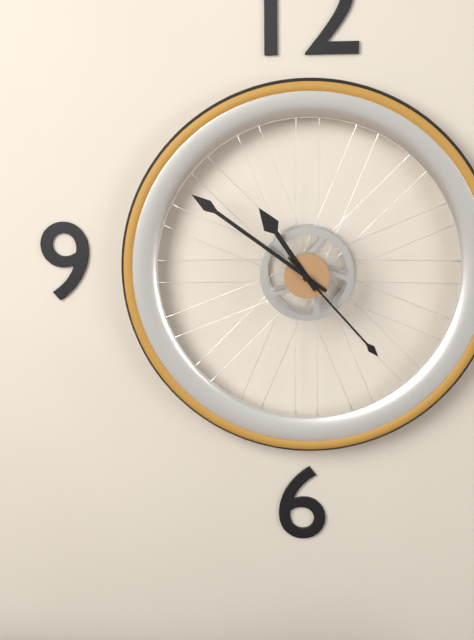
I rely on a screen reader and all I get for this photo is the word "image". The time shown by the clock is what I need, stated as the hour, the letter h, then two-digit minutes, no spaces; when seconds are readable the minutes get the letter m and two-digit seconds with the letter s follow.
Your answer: 10h51m23s
